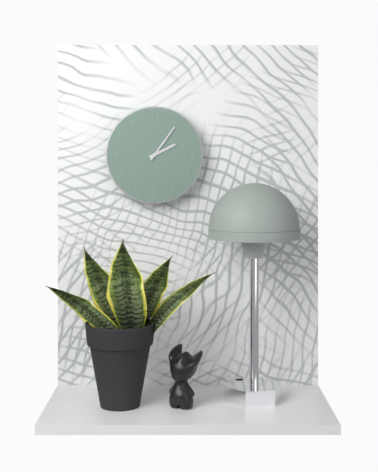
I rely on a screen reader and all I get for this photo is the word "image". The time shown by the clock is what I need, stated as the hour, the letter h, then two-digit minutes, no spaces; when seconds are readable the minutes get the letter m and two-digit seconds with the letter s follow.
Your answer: 2h06
